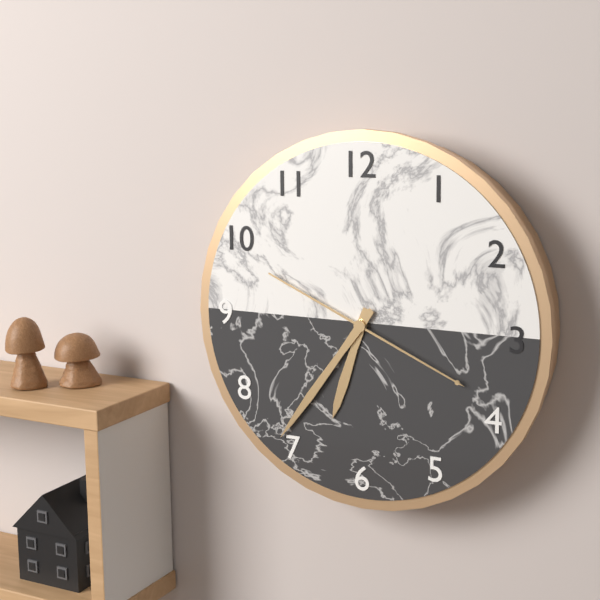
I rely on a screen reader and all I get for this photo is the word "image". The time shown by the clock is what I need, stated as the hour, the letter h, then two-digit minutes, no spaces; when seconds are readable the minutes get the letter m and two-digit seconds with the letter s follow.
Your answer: 6h36m19s
